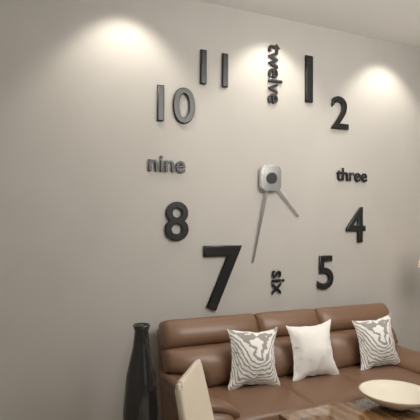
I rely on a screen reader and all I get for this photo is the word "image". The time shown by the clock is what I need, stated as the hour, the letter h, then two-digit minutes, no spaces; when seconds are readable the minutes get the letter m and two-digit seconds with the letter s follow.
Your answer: 4h32
